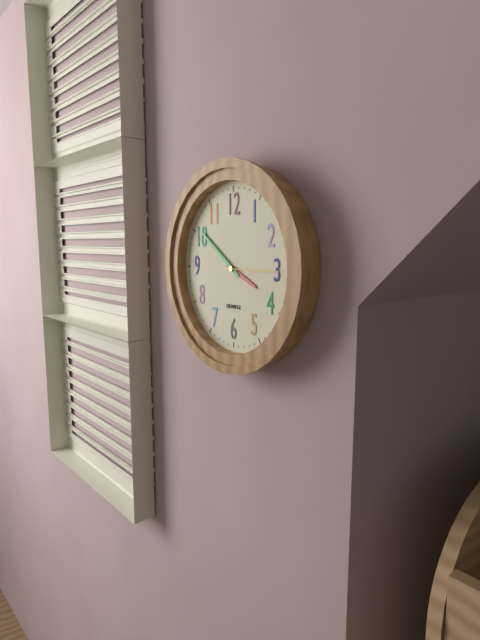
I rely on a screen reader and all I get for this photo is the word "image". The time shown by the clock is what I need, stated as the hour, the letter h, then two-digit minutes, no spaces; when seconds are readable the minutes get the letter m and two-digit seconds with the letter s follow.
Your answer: 3h51m15s
